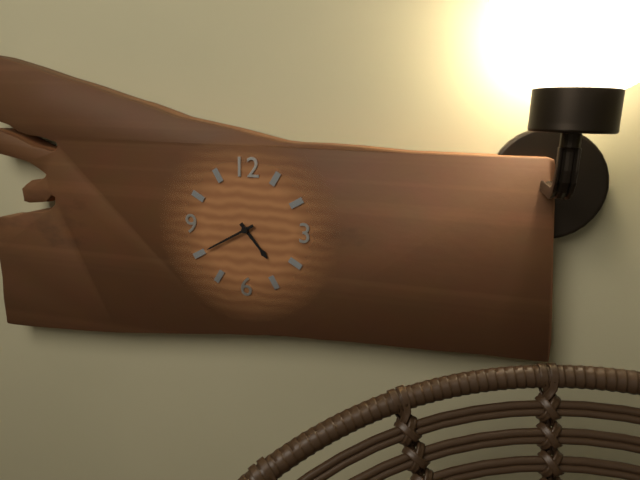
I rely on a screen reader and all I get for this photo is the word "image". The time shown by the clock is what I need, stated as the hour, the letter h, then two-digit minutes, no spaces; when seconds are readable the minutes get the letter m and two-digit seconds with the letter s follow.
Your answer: 4h40
